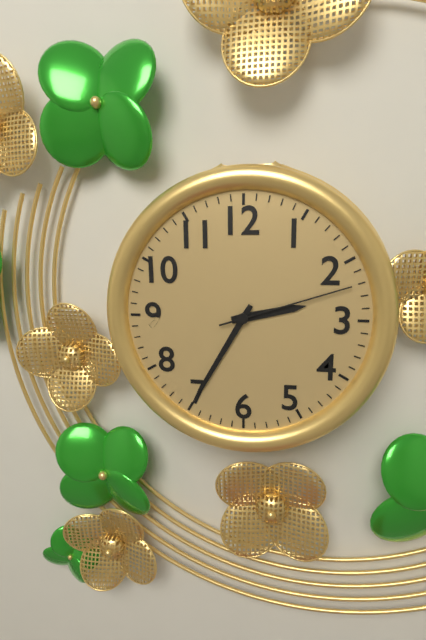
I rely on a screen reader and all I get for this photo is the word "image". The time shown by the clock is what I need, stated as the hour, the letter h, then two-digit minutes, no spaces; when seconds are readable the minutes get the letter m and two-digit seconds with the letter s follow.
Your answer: 2h35m12s
